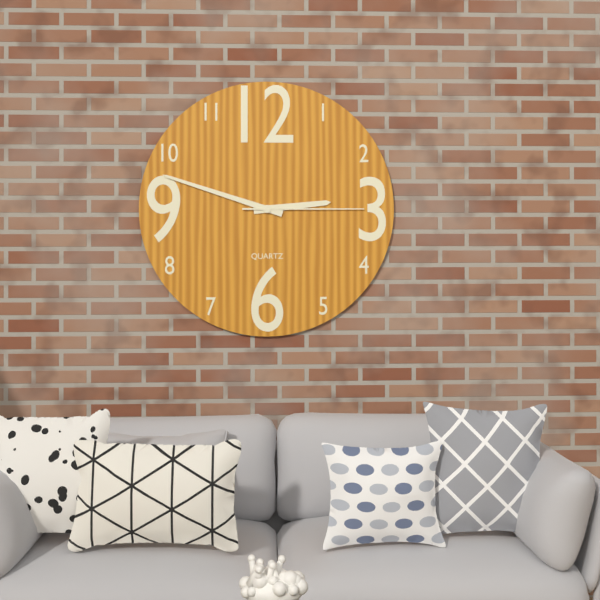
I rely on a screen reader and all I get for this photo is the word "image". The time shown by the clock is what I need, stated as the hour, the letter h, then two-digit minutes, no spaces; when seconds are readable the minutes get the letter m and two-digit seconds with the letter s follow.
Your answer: 2h48m15s
